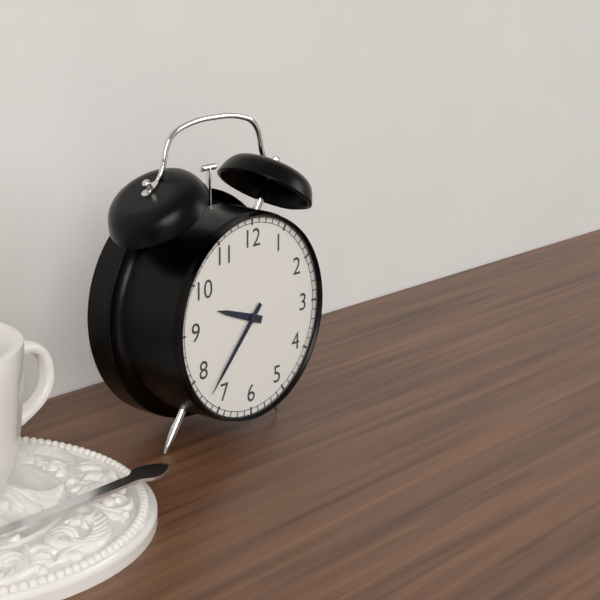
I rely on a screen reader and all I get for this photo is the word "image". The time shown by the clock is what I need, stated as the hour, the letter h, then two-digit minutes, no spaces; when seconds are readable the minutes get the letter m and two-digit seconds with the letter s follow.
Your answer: 9h37
